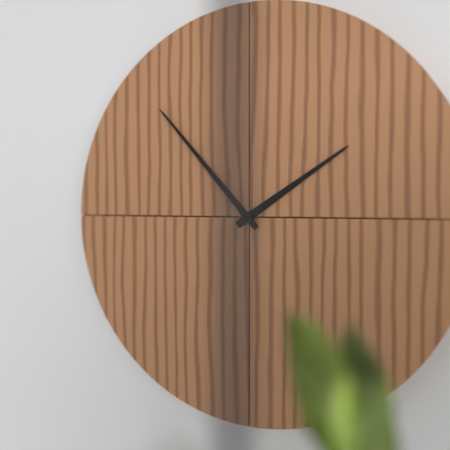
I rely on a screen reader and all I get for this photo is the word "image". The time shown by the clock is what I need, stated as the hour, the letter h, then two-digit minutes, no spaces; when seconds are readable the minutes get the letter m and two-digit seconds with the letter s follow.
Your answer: 1h53
